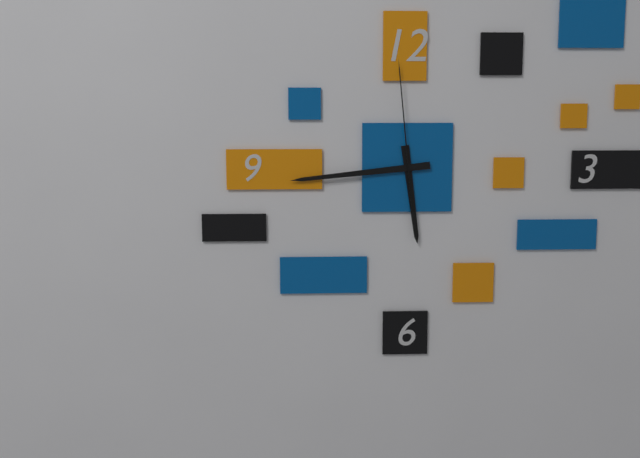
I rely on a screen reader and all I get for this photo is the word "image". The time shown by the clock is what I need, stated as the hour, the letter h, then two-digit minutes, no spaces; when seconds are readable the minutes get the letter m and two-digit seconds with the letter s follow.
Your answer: 5h44m59s
